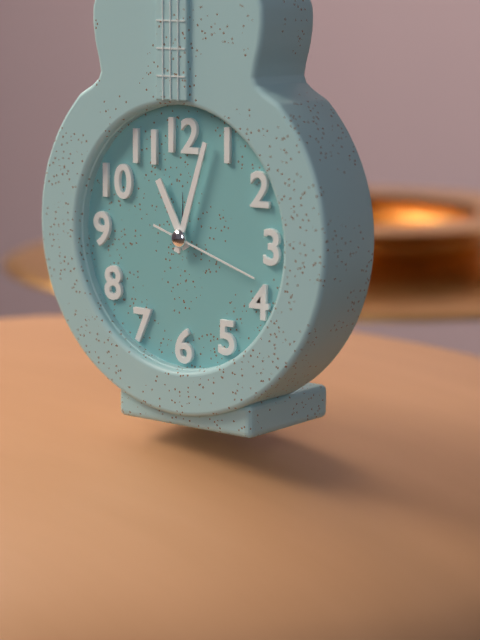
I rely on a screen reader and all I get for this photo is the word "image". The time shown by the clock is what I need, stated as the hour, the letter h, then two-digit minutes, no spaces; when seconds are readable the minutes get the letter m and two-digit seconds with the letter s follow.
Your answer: 11h03m18s
